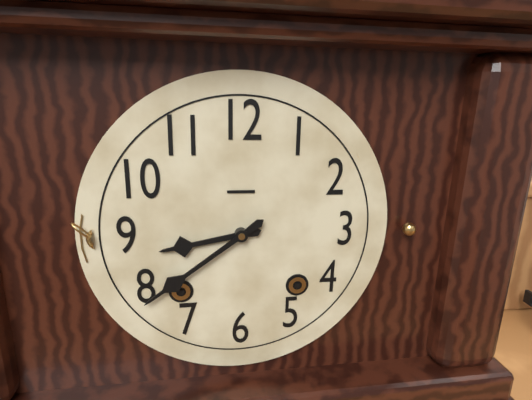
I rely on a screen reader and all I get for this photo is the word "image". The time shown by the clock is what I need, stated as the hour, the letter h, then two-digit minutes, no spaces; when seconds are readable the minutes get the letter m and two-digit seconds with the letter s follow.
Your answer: 8h39
